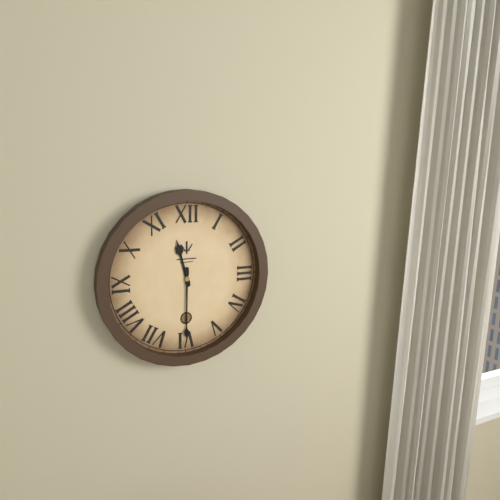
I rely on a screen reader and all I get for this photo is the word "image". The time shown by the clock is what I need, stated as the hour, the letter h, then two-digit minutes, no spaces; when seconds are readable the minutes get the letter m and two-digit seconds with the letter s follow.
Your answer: 11h30
